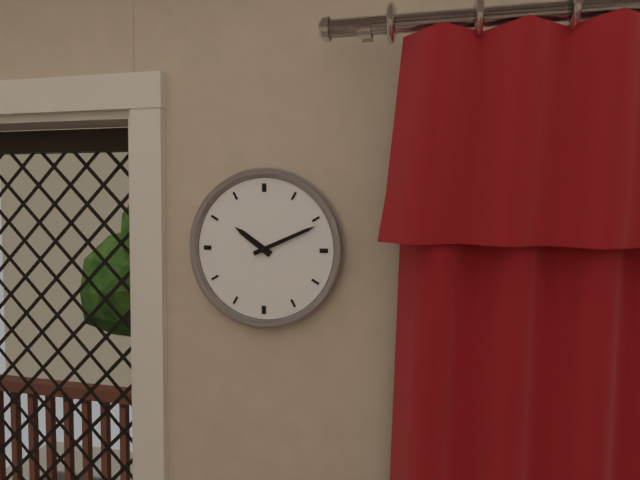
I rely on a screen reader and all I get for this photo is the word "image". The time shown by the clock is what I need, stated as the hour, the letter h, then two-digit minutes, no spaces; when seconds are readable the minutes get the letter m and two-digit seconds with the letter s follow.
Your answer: 10h11
